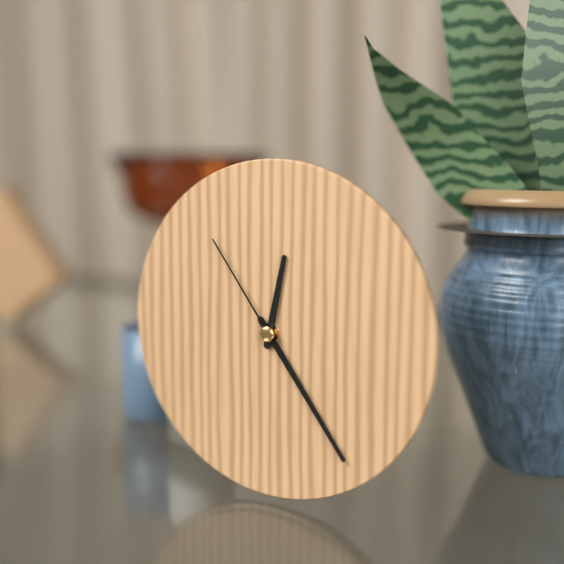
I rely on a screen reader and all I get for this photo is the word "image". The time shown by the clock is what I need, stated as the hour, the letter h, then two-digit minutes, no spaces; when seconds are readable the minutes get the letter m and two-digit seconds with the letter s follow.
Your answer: 12h24m54s
